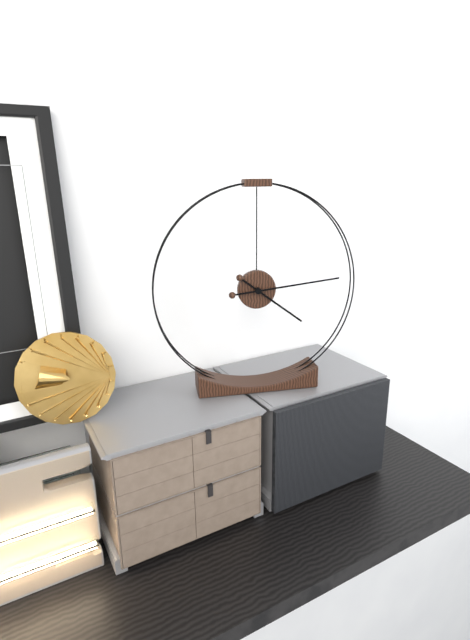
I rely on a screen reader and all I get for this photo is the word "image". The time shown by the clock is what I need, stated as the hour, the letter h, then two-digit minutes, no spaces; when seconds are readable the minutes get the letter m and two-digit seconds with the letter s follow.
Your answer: 4h14
